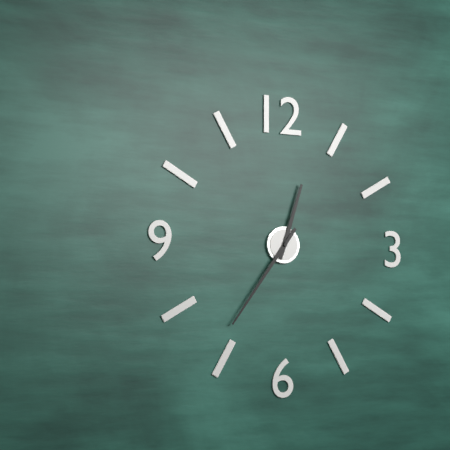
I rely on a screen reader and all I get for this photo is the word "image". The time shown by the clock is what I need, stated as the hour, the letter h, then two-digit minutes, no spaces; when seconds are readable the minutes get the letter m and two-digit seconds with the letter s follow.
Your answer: 12h36
